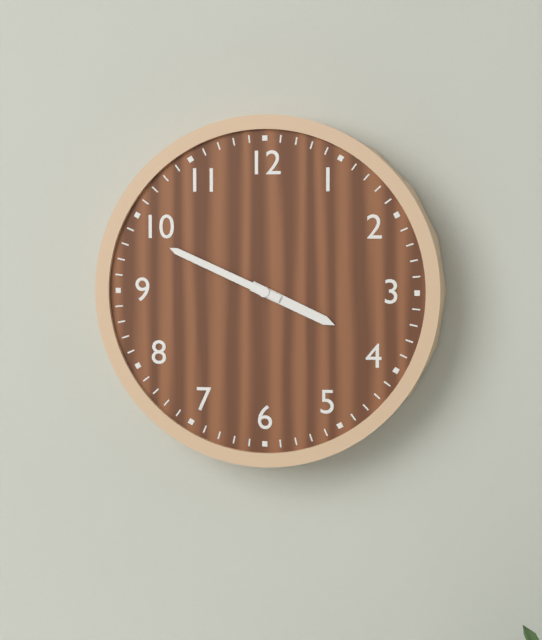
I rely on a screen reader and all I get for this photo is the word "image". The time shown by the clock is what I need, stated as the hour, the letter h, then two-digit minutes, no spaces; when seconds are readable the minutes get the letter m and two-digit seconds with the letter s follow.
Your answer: 3h49
